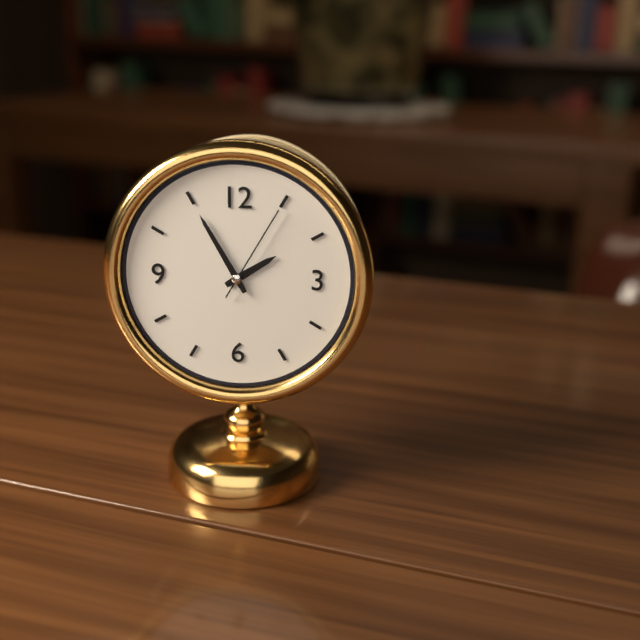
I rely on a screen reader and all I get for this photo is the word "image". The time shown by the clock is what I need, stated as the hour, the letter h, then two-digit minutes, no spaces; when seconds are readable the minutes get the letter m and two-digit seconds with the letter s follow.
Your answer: 1h55m05s
